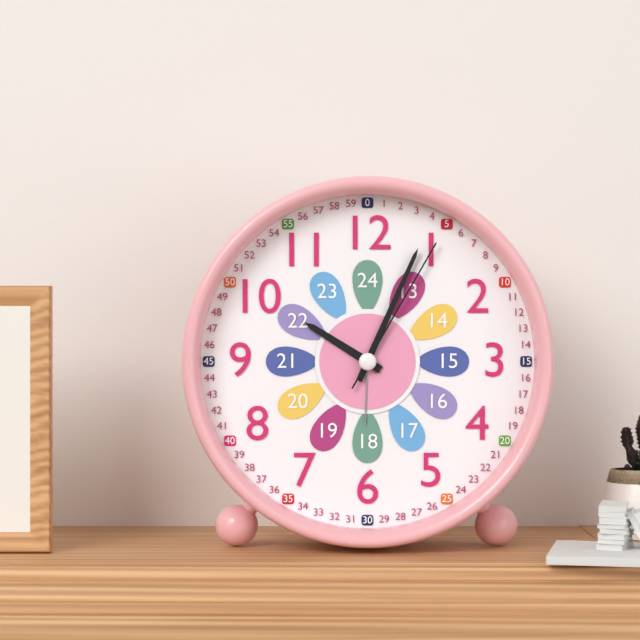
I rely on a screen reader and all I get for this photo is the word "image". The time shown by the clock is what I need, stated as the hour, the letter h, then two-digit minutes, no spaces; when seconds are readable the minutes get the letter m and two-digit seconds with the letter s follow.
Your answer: 10h04m05s
